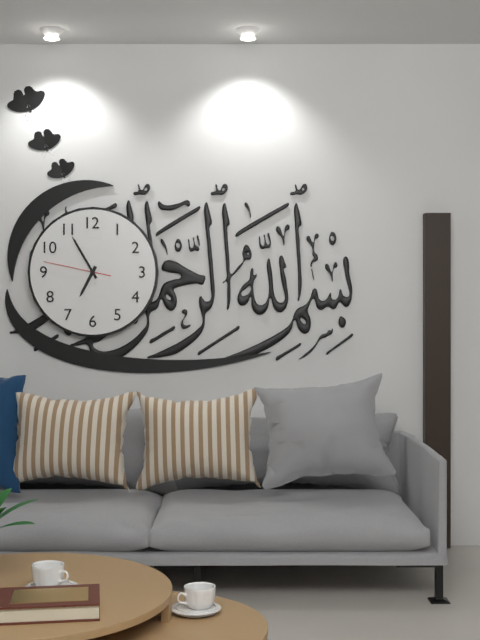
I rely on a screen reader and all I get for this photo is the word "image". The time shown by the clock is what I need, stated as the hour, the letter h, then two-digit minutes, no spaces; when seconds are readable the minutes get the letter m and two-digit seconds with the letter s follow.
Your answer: 6h55m47s
